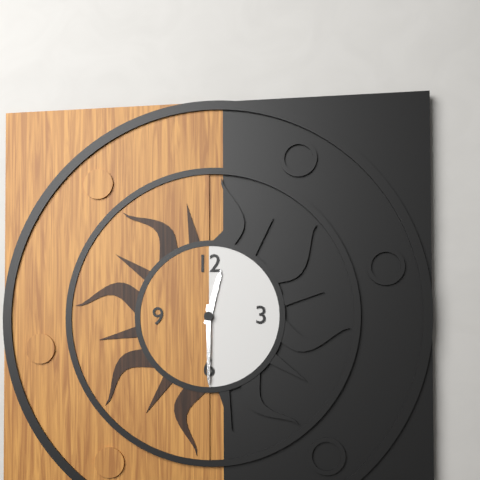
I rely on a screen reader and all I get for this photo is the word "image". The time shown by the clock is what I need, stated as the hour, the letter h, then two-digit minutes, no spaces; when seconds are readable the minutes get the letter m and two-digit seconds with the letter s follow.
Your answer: 12h30
